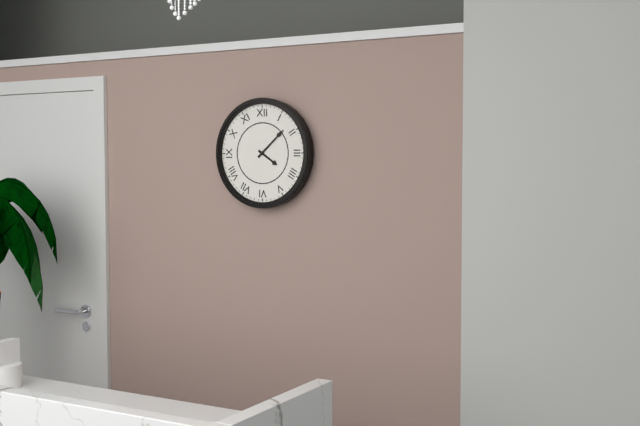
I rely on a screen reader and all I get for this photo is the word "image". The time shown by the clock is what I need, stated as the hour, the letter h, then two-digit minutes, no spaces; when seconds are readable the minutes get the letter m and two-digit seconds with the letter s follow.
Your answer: 4h08
